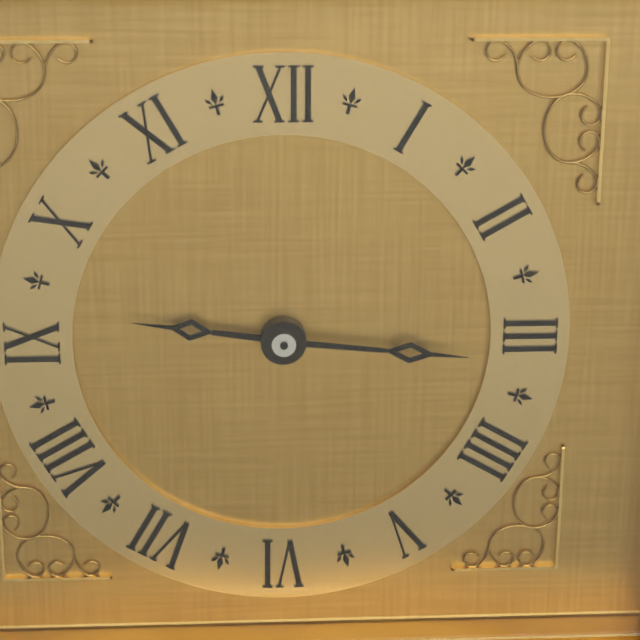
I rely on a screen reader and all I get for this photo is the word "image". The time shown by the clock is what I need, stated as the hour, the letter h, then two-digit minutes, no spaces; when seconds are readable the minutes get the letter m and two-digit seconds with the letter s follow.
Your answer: 9h16
